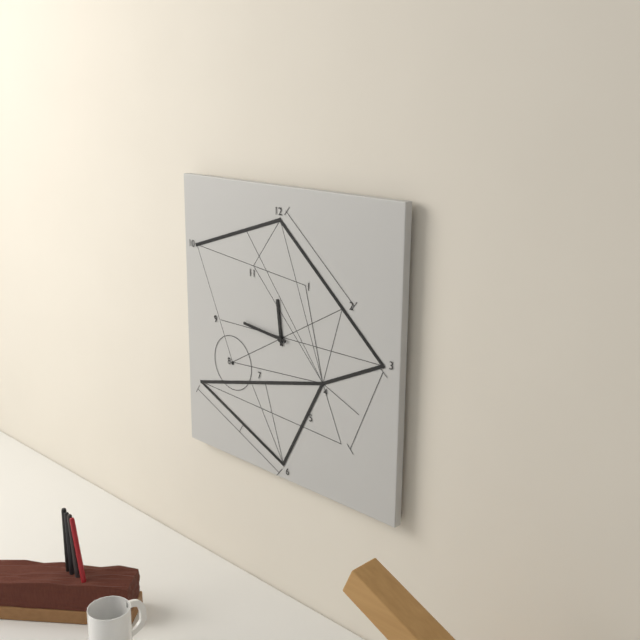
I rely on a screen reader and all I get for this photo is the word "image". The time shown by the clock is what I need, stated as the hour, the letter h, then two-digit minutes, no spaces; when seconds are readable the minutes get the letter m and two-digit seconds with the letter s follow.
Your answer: 11h46
